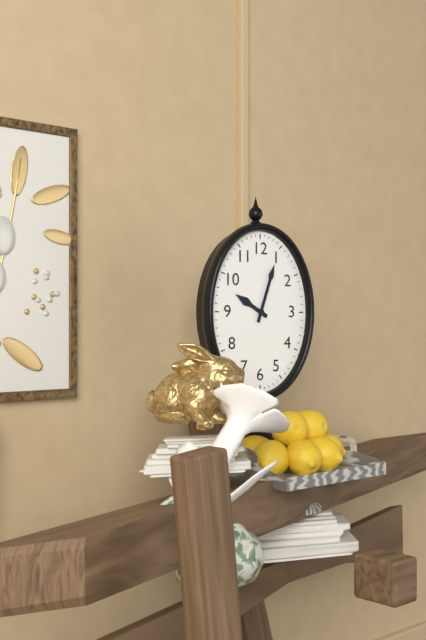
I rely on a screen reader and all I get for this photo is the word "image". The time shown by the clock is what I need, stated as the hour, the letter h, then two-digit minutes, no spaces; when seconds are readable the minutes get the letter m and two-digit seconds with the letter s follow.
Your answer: 10h03
